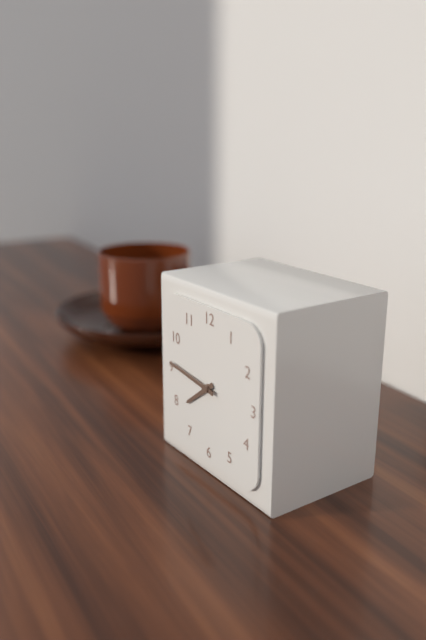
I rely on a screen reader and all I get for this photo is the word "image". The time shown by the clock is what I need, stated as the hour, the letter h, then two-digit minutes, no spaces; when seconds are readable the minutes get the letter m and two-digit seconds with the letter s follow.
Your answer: 7h46
